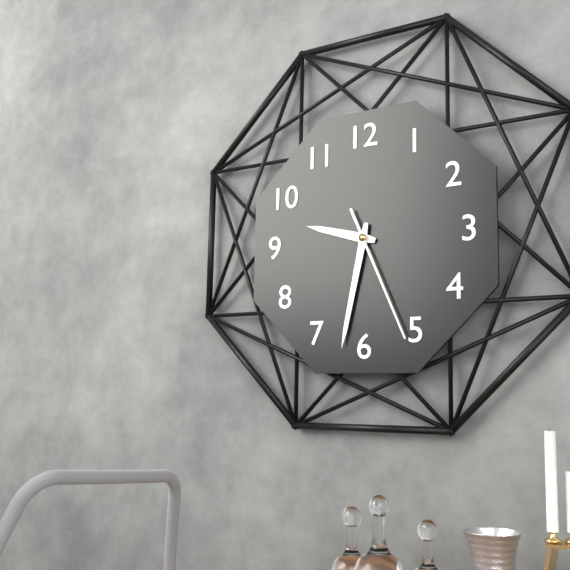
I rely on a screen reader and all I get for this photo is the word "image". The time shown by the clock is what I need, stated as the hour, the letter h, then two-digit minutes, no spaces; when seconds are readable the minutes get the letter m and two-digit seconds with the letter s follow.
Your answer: 9h32m26s
